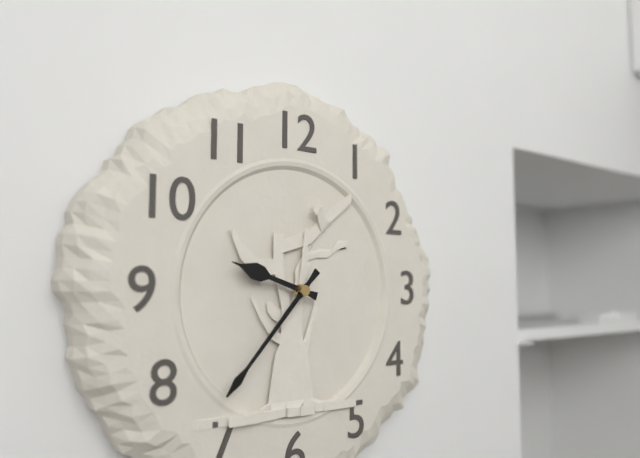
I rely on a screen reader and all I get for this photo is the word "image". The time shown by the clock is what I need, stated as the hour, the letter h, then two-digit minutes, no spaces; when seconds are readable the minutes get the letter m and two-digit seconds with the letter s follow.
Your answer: 9h37
